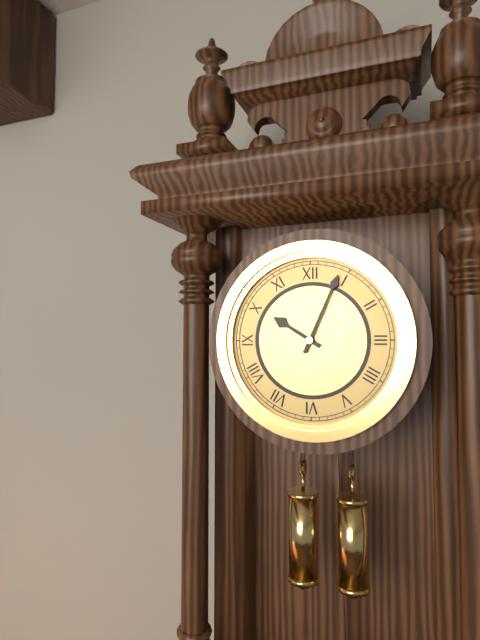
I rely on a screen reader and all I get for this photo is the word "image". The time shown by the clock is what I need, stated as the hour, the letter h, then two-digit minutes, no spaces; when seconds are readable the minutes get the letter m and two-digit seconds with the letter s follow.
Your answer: 10h04
